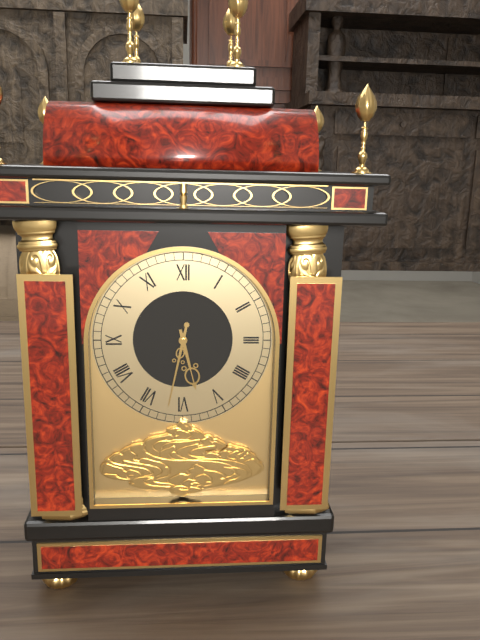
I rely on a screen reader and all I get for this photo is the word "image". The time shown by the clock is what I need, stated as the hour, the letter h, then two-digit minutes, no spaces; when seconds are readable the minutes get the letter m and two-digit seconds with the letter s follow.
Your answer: 5h32
